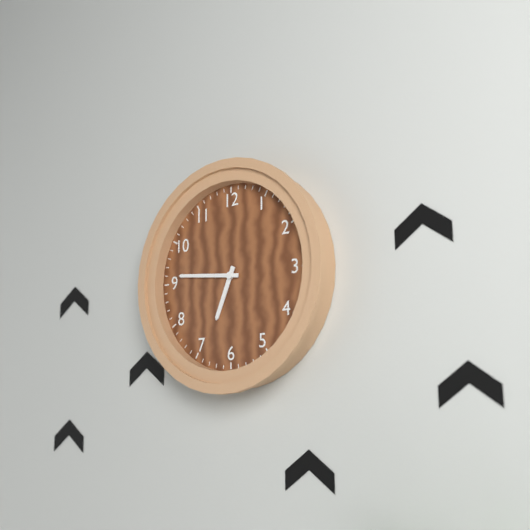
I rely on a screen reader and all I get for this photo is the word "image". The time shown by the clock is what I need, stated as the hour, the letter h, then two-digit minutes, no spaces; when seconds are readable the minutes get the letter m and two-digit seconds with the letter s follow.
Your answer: 6h46
